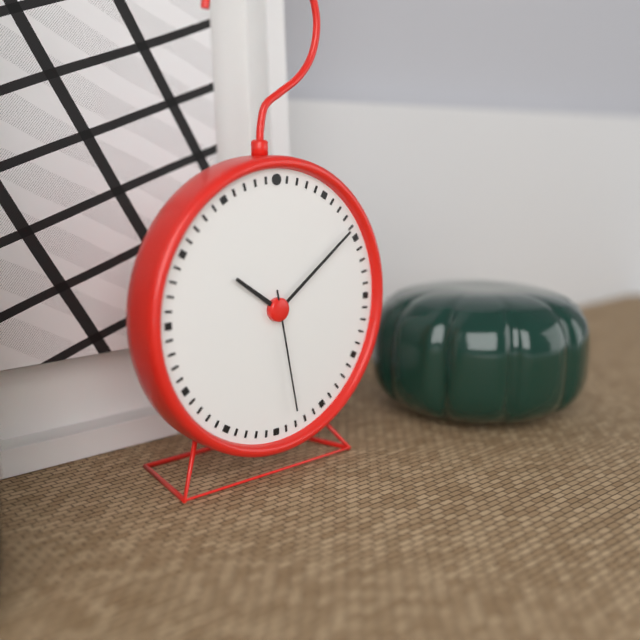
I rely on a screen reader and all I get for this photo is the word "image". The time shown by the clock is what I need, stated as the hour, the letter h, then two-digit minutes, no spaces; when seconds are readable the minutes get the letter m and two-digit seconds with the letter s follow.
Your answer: 10h09m28s
